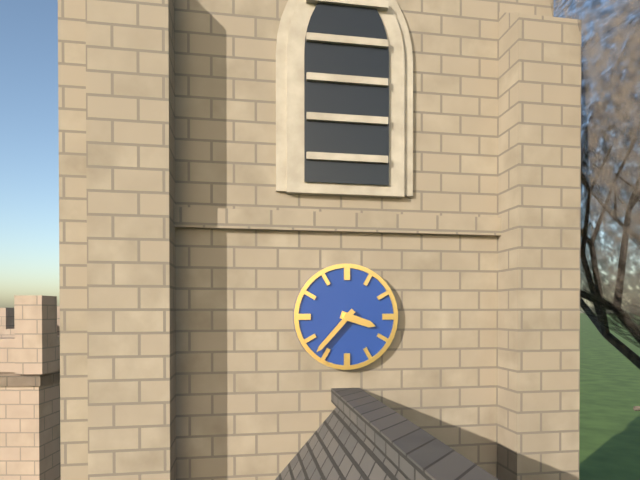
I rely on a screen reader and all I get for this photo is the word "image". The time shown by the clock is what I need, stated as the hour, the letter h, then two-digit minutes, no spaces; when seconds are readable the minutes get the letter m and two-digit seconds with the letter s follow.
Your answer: 3h37
